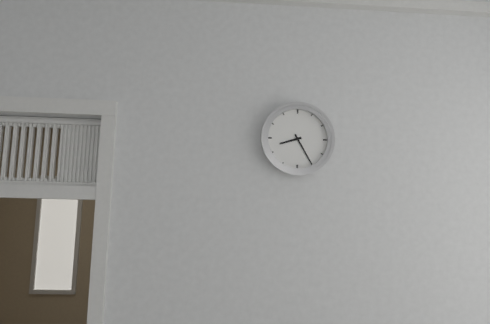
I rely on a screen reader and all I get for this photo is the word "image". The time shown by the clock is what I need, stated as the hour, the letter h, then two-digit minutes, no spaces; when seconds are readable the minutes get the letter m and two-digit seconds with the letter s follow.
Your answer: 8h25
